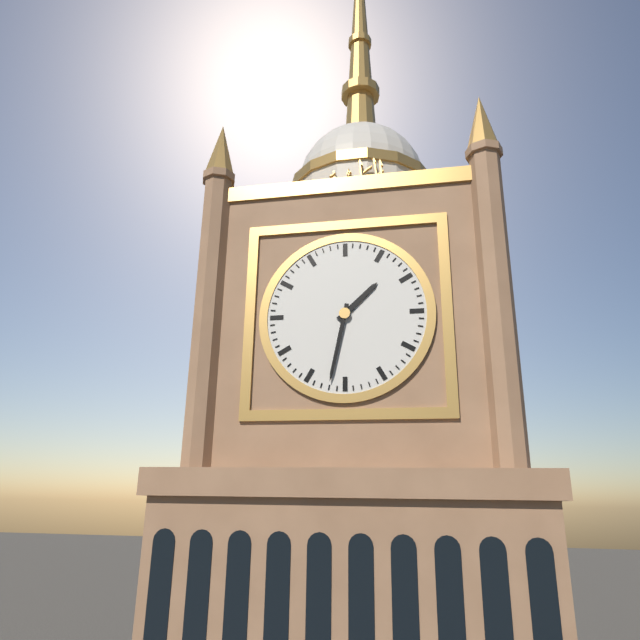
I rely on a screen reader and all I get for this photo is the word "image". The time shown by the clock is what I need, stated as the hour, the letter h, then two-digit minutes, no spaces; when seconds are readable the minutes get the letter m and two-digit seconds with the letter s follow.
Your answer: 1h32
